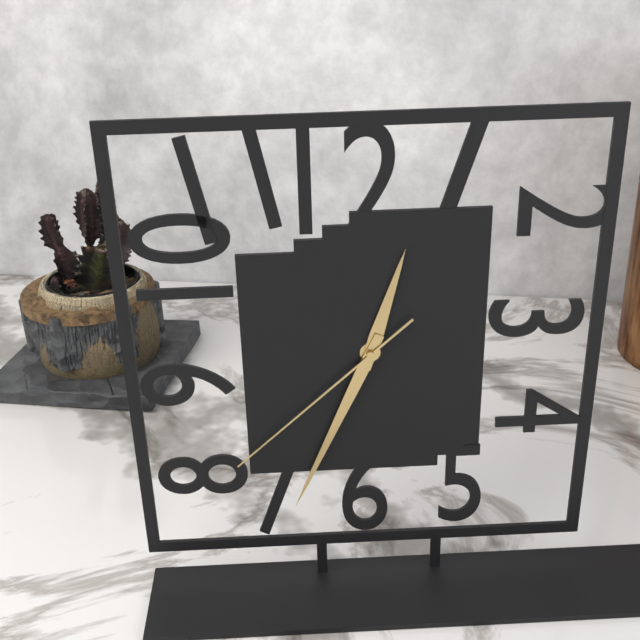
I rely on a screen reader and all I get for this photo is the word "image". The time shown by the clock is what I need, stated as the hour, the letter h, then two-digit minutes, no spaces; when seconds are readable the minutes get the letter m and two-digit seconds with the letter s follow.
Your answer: 12h34m38s
